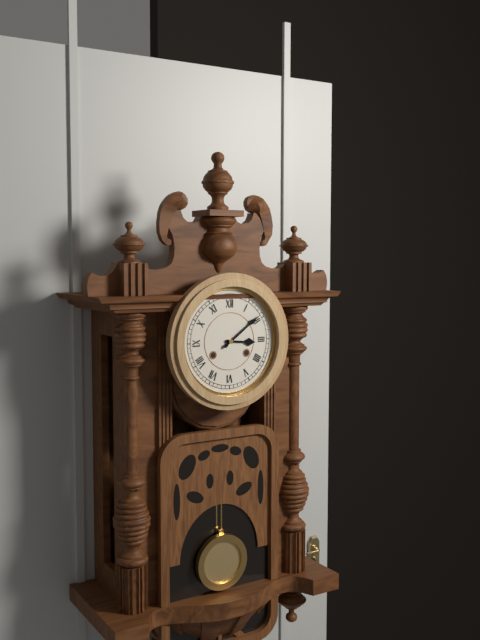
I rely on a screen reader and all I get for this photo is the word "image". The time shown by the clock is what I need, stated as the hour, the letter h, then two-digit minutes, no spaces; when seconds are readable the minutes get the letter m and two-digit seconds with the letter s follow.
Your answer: 3h09
